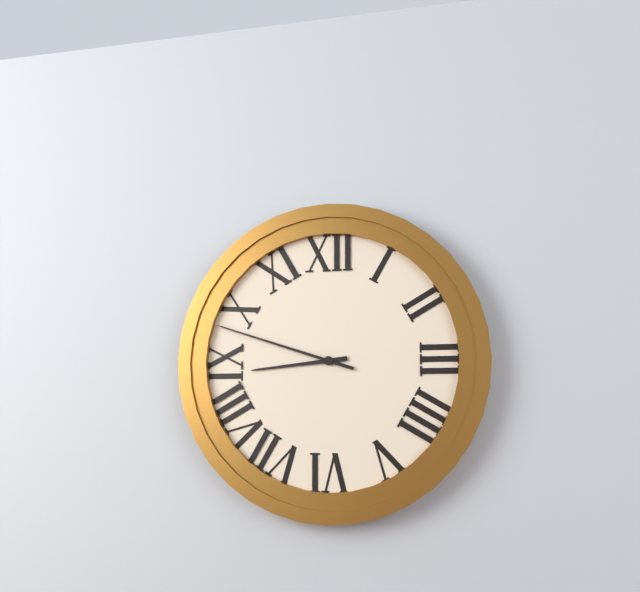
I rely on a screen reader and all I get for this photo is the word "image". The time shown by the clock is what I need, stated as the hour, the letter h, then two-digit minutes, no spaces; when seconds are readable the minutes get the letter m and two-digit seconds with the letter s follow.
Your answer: 8h48
